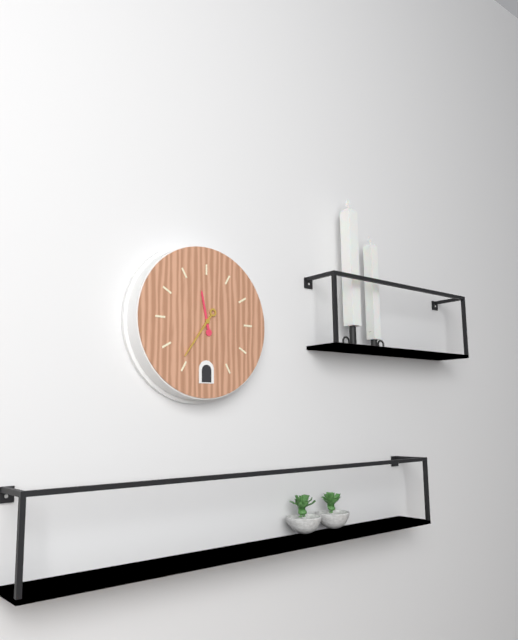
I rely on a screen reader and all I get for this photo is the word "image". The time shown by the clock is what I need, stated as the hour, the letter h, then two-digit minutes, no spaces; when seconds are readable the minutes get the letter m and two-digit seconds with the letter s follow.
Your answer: 11h36
